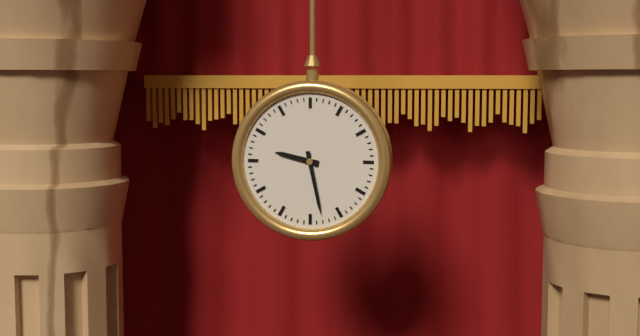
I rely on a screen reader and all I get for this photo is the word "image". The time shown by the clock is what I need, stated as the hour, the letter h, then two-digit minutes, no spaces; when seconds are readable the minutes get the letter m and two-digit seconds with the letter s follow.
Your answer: 9h28
